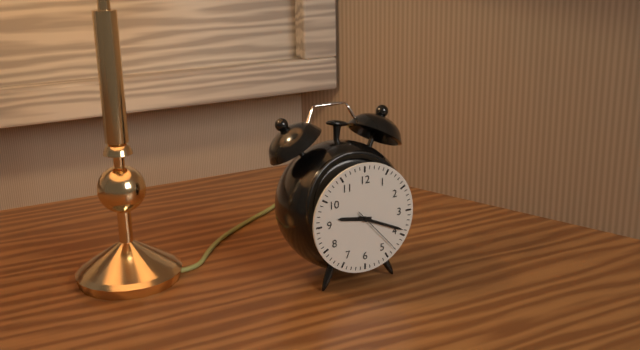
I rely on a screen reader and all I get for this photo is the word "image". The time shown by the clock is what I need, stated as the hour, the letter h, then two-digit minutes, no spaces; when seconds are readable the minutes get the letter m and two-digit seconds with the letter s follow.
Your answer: 9h19m23s
